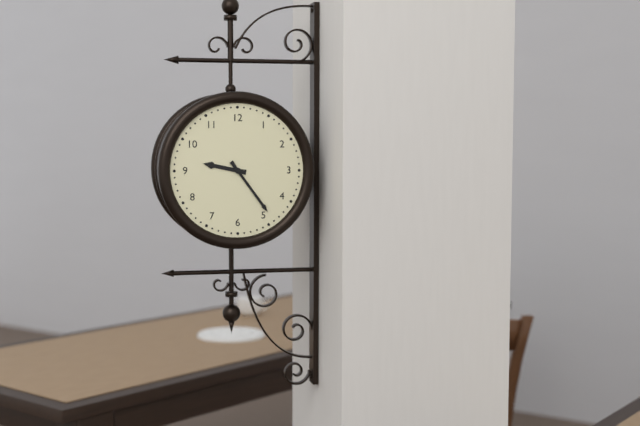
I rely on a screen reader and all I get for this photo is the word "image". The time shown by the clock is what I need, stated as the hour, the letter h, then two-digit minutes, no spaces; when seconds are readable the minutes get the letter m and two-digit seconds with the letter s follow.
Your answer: 9h24
